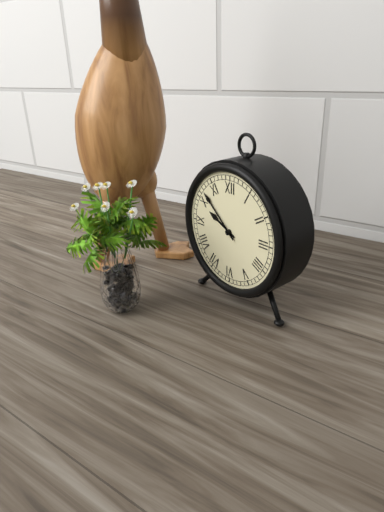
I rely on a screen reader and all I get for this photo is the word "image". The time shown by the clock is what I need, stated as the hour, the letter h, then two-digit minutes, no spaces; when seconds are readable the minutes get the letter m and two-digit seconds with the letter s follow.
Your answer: 9h52
